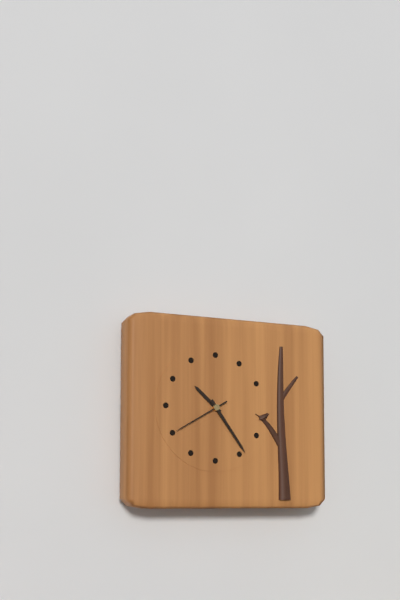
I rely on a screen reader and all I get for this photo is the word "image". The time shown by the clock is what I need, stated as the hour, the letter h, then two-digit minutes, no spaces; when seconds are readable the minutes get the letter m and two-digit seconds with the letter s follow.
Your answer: 10h24m40s
